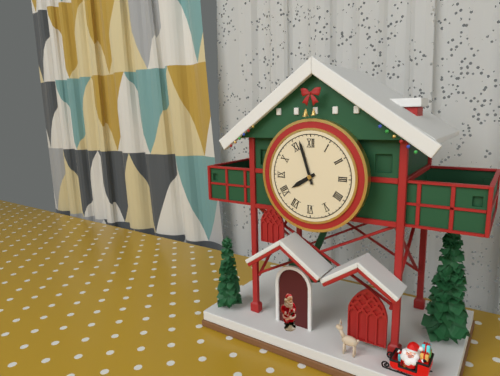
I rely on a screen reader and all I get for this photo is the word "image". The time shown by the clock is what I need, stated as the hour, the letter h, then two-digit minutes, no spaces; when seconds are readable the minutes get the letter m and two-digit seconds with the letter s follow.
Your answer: 7h57
